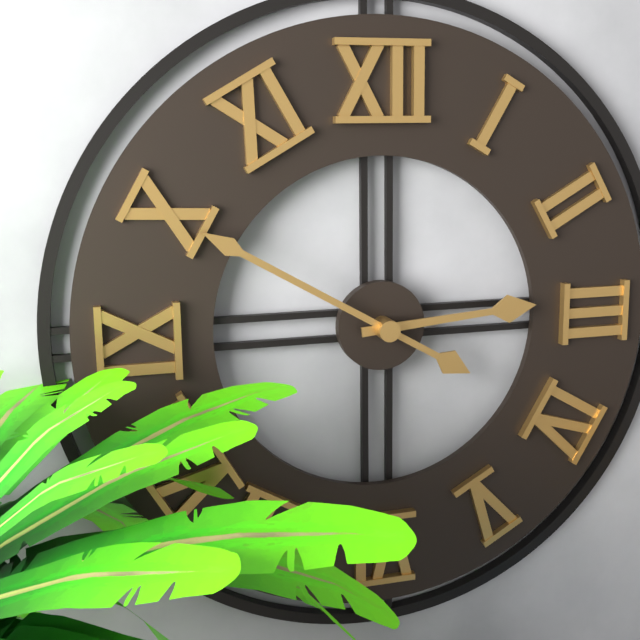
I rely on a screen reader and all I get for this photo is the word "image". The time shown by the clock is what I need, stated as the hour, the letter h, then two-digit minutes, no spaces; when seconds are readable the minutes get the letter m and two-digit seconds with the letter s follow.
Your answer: 2h50
